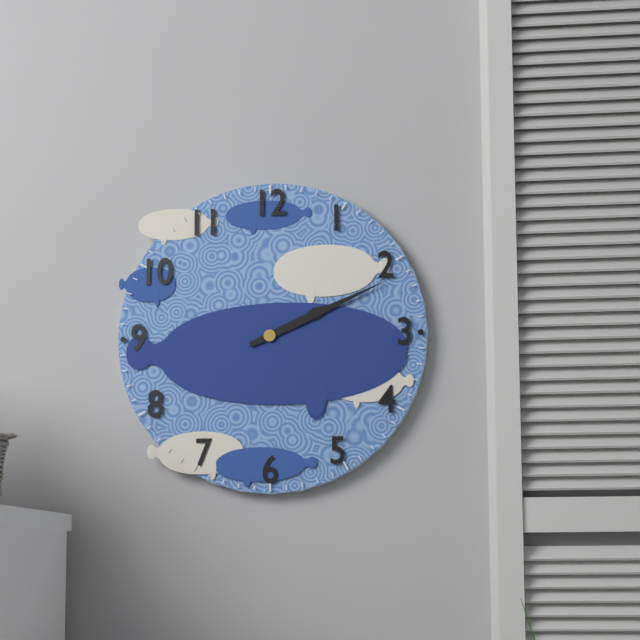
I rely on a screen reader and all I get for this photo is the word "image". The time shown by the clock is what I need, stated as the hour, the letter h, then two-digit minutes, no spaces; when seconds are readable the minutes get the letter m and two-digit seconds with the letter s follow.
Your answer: 2h11
